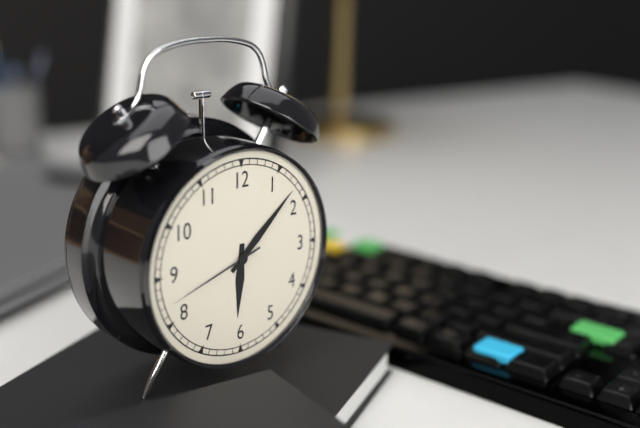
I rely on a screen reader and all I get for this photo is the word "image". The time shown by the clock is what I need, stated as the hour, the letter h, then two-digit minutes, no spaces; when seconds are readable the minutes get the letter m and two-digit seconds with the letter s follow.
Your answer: 6h08m42s
